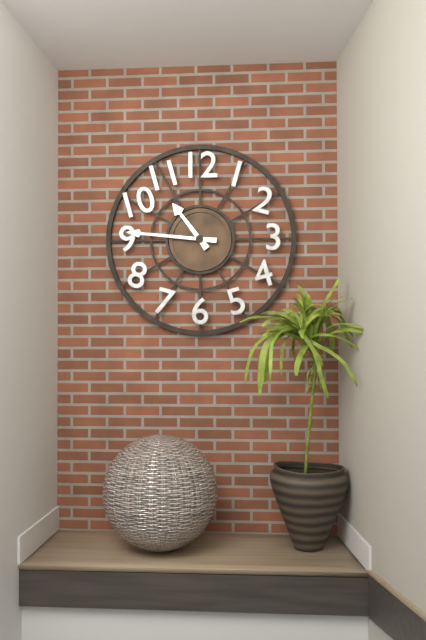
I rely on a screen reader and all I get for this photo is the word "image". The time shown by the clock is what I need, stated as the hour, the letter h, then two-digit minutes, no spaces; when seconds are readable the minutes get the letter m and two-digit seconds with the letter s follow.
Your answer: 10h46
